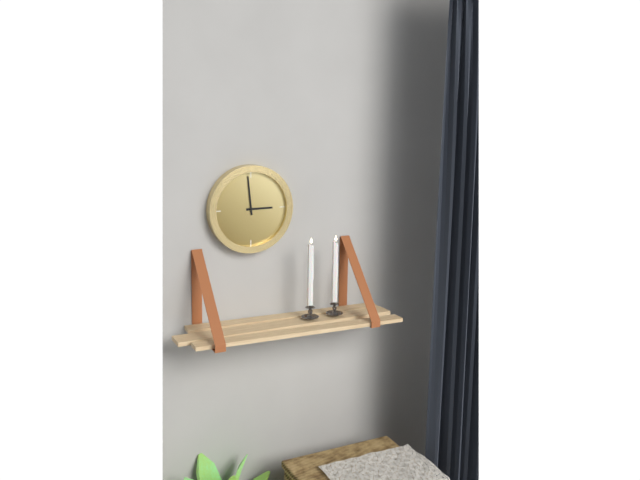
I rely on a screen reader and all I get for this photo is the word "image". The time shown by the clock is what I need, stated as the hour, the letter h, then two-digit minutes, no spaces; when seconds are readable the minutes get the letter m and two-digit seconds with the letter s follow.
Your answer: 2h59
